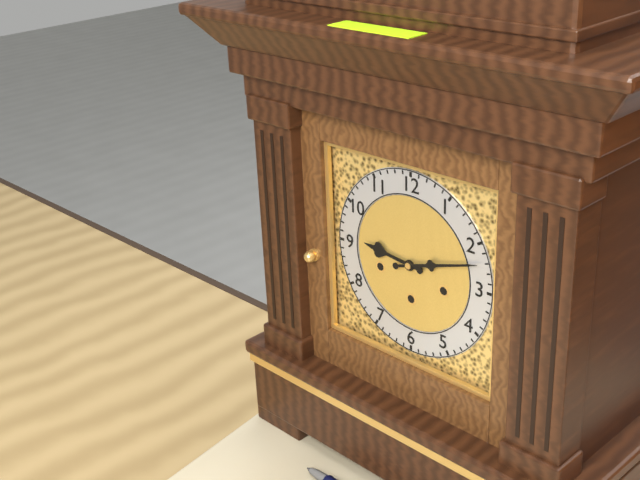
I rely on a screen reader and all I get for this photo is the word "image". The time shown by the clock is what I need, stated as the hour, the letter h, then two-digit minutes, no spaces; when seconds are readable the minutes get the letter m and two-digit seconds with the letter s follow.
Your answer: 9h12
